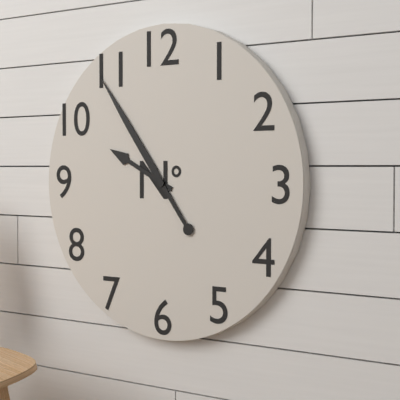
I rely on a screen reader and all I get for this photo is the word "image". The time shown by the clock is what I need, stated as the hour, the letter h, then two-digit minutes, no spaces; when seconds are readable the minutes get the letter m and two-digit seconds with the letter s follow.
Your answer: 9h54
